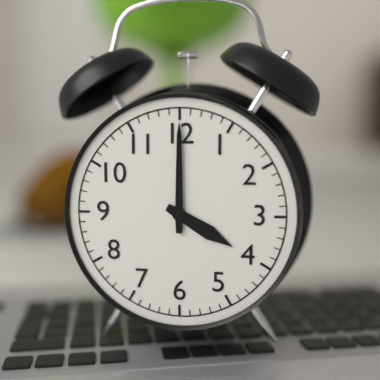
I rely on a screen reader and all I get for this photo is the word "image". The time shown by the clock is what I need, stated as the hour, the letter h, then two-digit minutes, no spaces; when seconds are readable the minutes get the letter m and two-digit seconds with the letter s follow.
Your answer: 4h00
